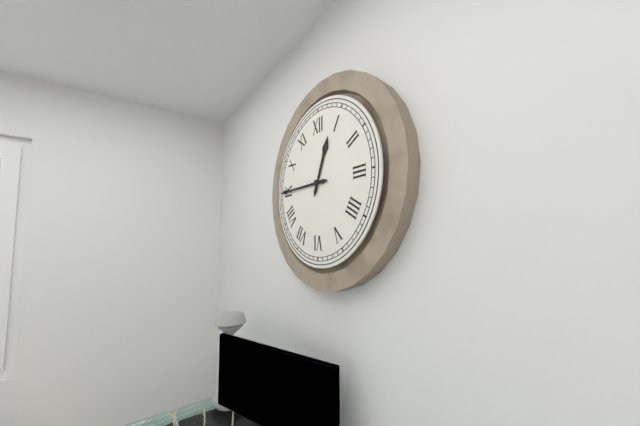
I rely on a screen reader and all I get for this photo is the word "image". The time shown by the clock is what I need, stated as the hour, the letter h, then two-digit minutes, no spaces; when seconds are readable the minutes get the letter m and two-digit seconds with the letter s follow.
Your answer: 12h45
